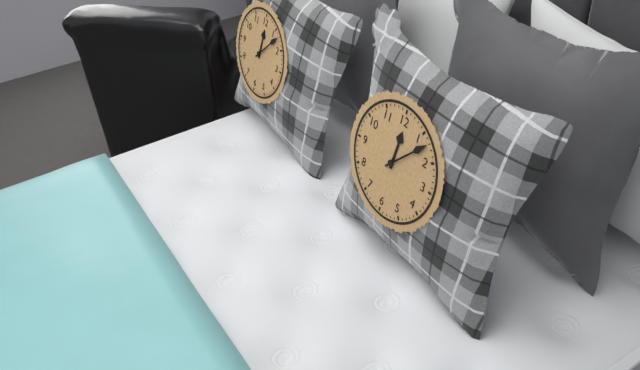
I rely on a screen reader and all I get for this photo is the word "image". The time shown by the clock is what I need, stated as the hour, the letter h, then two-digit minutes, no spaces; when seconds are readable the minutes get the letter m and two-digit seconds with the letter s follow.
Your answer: 12h07
